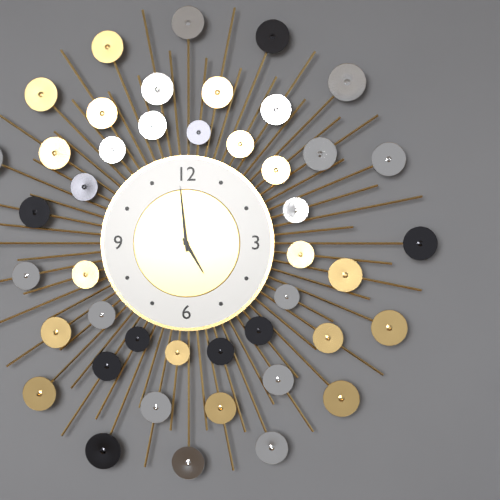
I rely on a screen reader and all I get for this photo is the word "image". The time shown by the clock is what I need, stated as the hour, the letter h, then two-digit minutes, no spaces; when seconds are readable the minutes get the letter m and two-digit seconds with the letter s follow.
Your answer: 4h59
